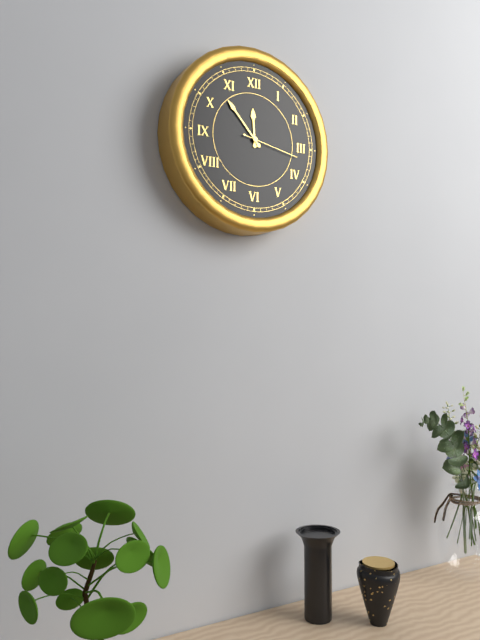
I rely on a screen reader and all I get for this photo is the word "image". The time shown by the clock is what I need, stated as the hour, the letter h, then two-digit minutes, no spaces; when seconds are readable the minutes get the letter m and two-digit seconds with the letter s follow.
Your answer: 11h53m17s
